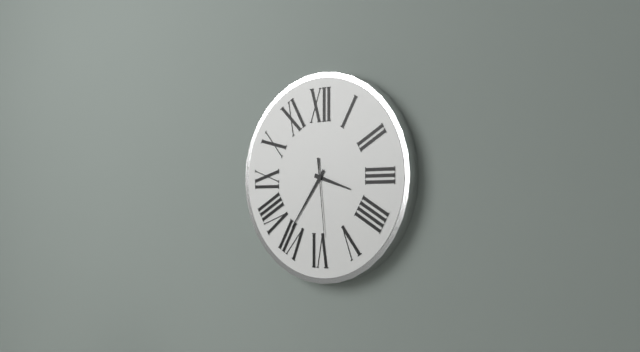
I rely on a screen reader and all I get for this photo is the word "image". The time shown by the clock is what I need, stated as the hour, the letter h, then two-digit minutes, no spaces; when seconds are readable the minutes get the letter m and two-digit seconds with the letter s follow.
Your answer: 3h36m29s
